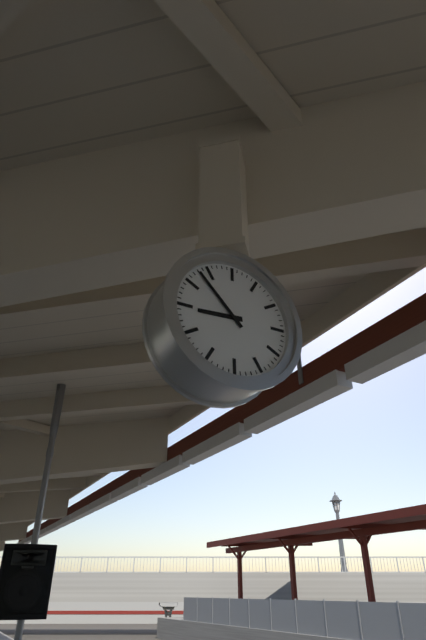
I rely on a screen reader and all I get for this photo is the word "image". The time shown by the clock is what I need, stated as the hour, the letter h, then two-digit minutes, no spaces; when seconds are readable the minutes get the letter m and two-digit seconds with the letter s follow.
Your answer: 8h53
